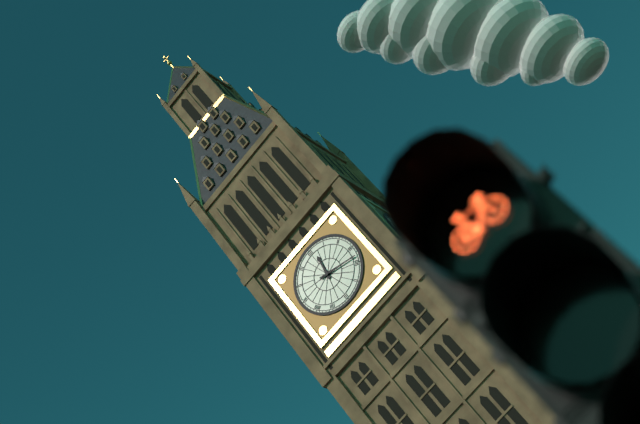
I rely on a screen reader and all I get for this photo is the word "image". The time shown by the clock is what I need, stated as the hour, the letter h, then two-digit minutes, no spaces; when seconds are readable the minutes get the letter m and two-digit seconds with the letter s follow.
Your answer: 12h18
